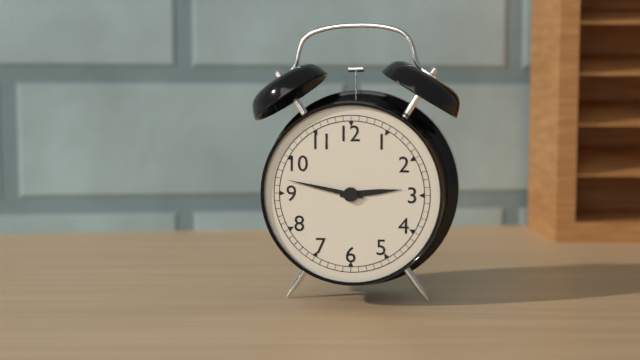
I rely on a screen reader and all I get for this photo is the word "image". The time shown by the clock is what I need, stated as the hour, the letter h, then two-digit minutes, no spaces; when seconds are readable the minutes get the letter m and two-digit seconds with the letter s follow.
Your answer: 2h47
